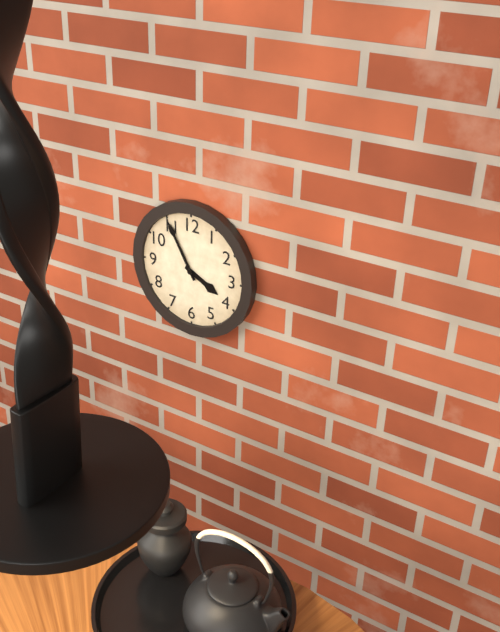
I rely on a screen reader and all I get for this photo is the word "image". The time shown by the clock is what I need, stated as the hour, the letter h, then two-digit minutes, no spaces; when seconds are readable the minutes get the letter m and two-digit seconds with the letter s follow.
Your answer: 3h55
